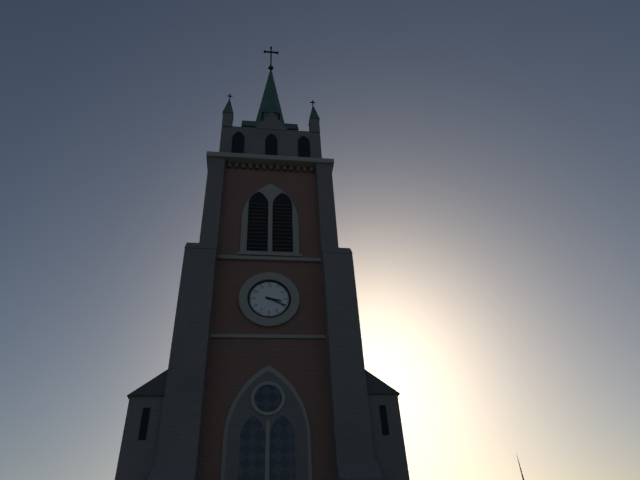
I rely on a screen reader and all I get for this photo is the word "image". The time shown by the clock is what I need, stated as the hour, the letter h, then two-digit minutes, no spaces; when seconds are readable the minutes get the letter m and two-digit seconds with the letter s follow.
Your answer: 3h19
